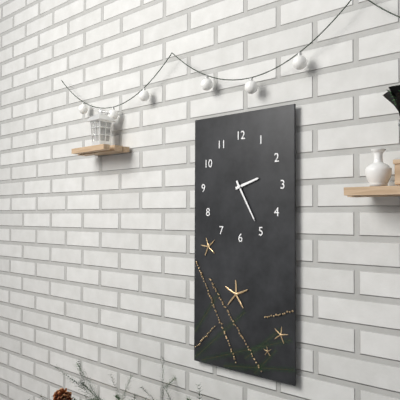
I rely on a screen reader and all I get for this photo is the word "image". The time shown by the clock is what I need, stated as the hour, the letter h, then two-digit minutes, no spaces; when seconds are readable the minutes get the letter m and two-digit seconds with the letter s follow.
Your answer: 2h25
